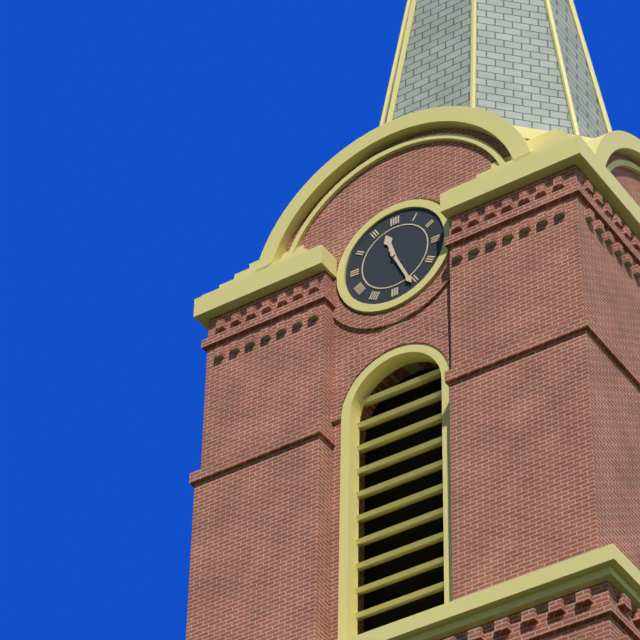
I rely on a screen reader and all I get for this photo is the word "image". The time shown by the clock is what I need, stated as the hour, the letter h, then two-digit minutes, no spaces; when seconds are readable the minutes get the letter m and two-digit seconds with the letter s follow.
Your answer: 11h26
